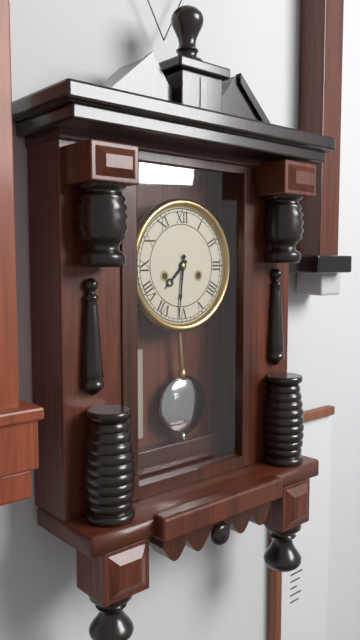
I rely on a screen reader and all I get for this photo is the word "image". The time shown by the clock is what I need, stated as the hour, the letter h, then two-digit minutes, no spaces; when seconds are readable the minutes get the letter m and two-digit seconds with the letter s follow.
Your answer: 7h31
